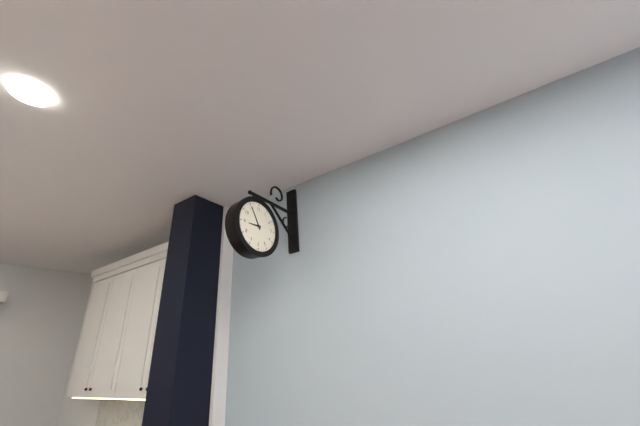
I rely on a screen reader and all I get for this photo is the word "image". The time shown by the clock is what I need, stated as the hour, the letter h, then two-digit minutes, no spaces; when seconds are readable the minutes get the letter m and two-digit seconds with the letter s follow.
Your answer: 8h55
